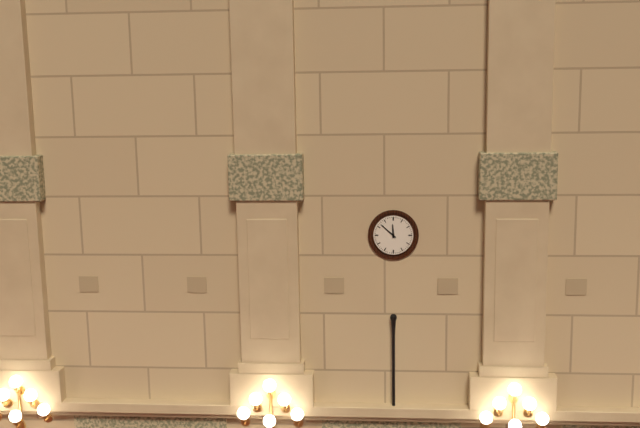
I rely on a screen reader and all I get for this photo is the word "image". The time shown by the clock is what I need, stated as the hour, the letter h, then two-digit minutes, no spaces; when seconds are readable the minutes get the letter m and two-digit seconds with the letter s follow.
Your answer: 11h52
